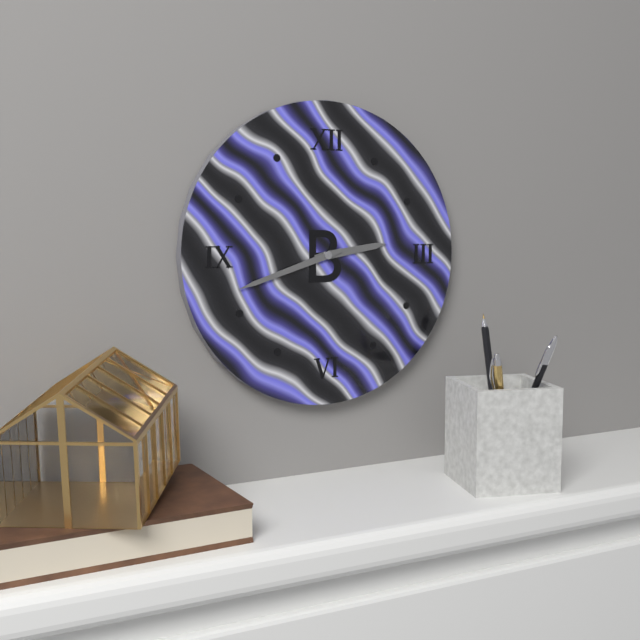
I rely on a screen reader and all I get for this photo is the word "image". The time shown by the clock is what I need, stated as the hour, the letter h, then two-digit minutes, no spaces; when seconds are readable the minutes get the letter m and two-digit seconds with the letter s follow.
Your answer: 2h42
